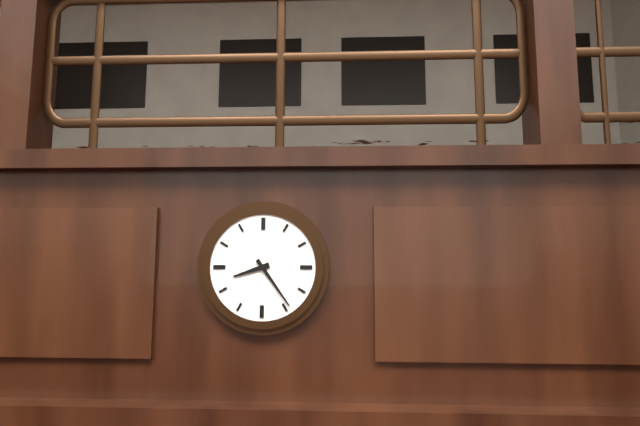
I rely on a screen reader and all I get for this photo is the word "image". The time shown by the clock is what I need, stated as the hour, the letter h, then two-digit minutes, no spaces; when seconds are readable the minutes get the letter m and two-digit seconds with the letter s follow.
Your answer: 8h24
